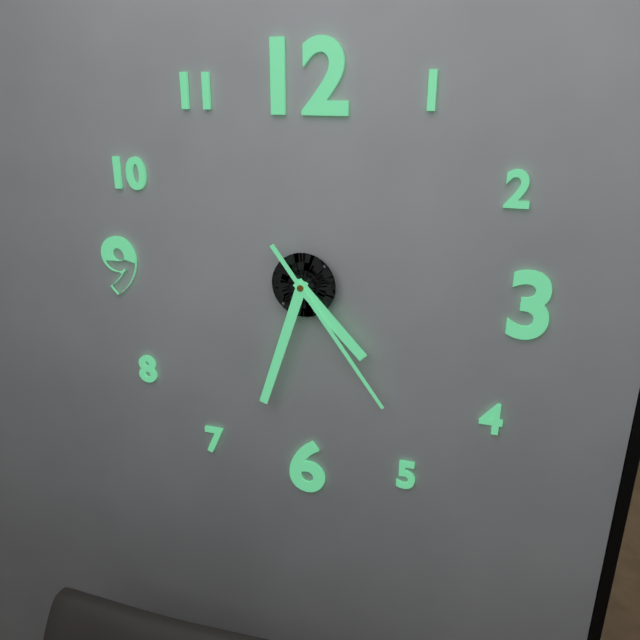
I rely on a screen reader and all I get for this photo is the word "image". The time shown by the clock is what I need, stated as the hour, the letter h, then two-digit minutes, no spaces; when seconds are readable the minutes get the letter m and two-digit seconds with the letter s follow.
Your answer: 4h33m24s
